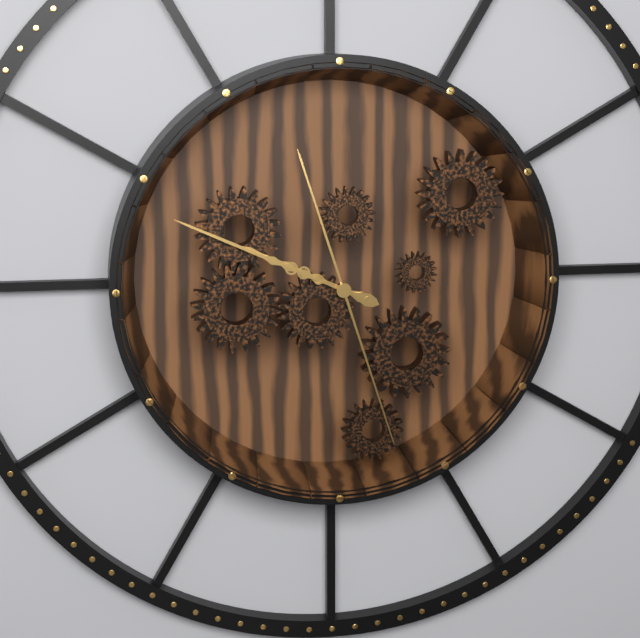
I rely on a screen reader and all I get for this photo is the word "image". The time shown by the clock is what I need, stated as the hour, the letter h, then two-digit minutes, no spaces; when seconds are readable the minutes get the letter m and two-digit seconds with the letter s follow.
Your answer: 9h49m27s
